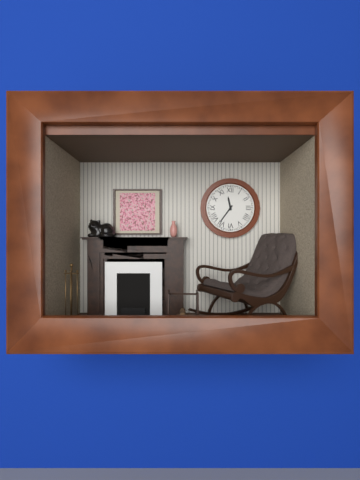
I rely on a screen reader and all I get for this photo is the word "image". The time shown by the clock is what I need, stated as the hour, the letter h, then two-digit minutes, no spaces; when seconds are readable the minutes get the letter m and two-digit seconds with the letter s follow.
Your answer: 11h36
